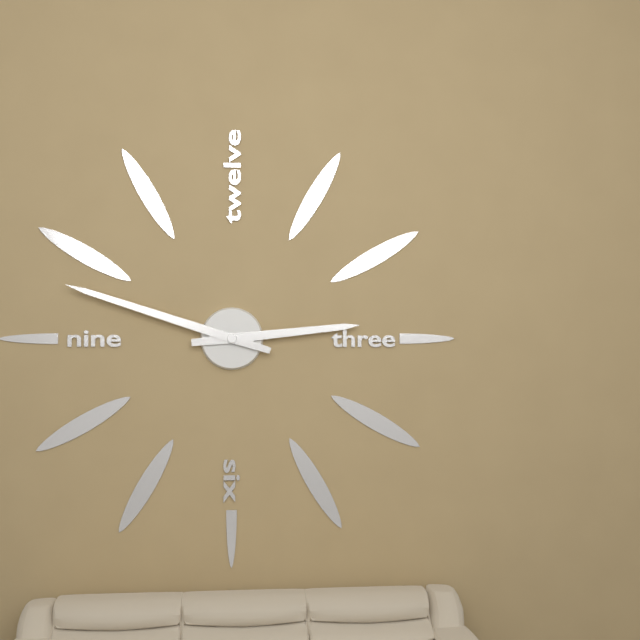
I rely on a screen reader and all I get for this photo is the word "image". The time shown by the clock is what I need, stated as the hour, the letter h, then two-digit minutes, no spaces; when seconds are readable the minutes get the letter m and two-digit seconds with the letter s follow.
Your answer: 2h48
